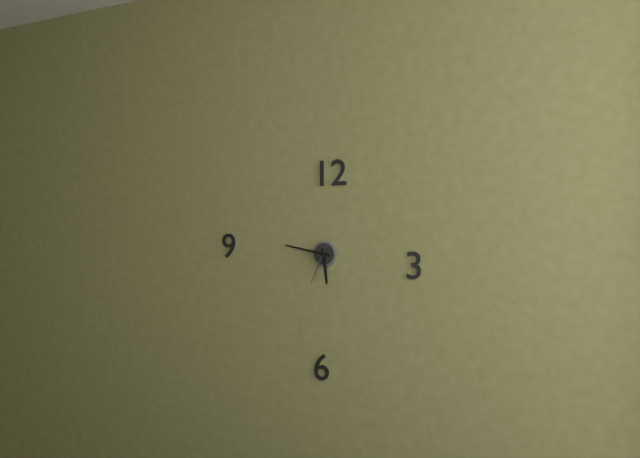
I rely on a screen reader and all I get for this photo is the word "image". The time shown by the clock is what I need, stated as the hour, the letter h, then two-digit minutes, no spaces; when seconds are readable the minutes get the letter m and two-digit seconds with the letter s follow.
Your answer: 5h47
